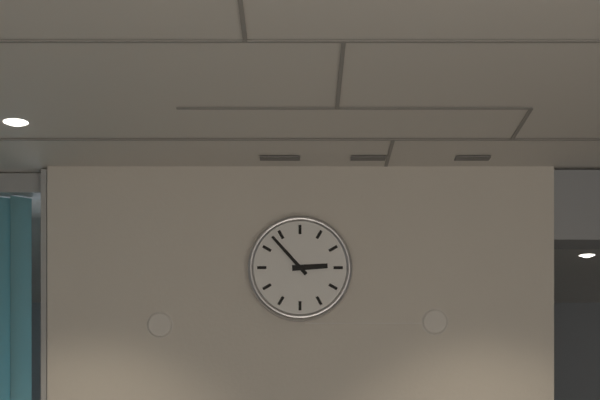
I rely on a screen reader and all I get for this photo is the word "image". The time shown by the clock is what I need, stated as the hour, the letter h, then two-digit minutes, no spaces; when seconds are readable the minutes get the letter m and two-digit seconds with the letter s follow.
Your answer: 2h53
